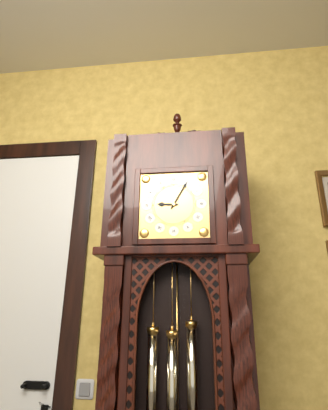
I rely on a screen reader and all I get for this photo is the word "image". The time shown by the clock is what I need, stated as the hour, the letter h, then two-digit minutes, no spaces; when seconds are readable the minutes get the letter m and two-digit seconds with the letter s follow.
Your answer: 9h05
